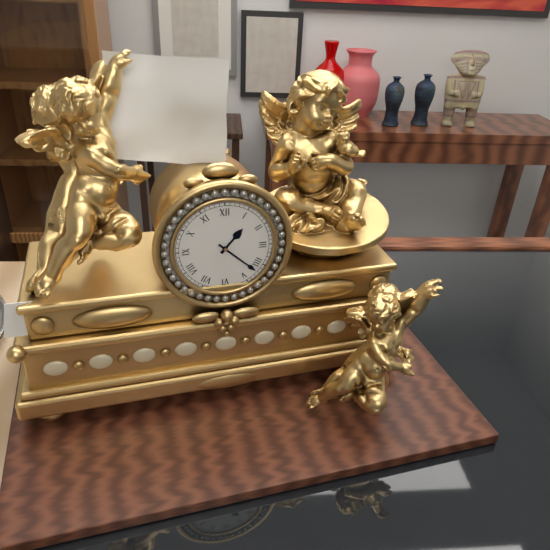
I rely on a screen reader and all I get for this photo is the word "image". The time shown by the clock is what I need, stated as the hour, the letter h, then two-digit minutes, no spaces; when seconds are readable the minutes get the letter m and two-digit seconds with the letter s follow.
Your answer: 1h22
